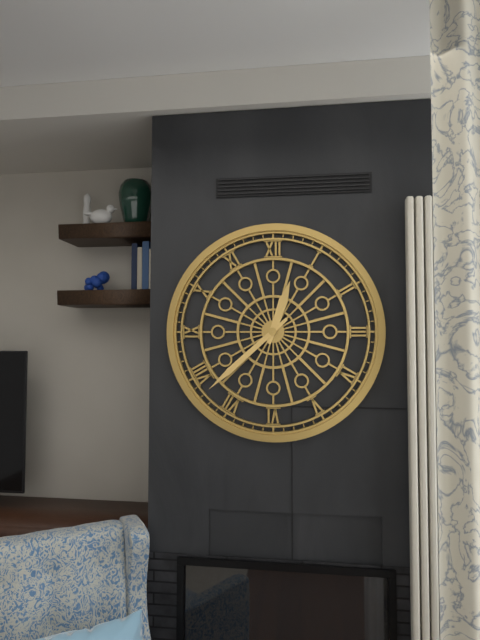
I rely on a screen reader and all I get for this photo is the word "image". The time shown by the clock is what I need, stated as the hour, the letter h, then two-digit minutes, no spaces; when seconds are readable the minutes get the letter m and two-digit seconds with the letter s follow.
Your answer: 12h38
